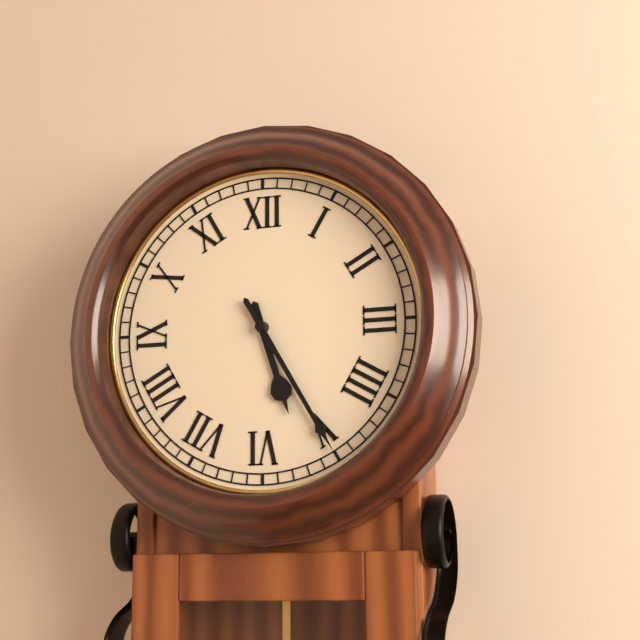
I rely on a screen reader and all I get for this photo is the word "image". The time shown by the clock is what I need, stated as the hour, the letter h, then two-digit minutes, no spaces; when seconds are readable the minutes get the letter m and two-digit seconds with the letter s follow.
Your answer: 5h25
